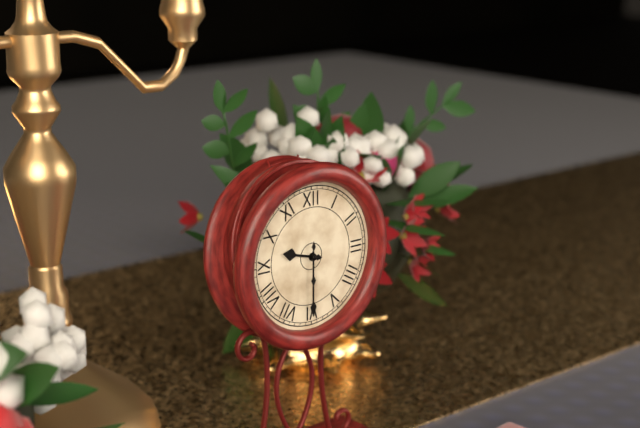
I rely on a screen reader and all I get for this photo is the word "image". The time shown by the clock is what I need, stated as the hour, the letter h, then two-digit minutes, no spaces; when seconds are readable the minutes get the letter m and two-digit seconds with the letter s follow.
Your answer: 9h30
